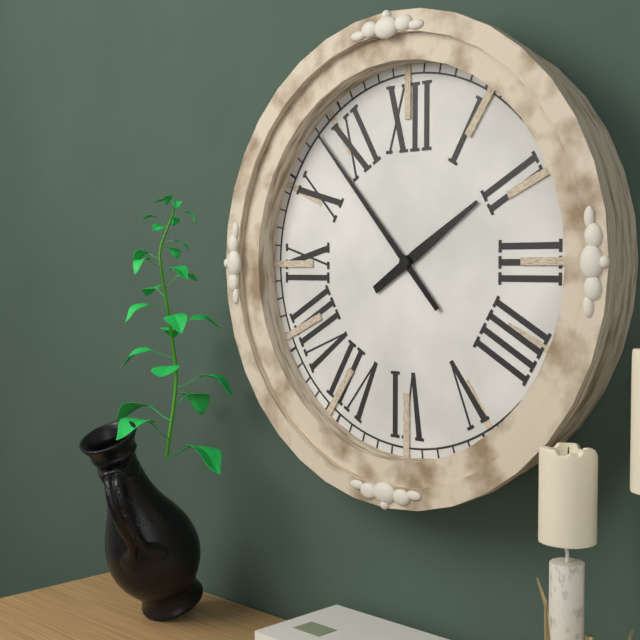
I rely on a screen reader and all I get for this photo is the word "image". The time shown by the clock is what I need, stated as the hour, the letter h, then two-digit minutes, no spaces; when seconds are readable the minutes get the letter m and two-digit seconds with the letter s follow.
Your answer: 1h53
